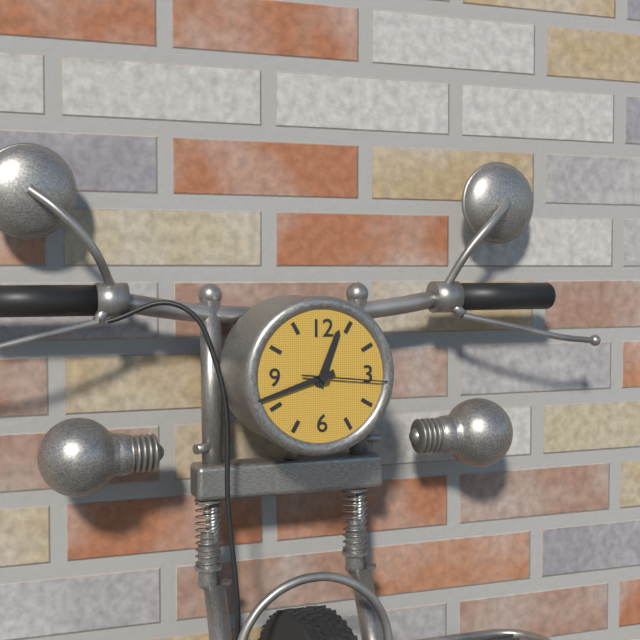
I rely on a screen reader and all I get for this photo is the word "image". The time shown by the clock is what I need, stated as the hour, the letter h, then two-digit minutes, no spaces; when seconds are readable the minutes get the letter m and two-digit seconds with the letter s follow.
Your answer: 12h42m16s
